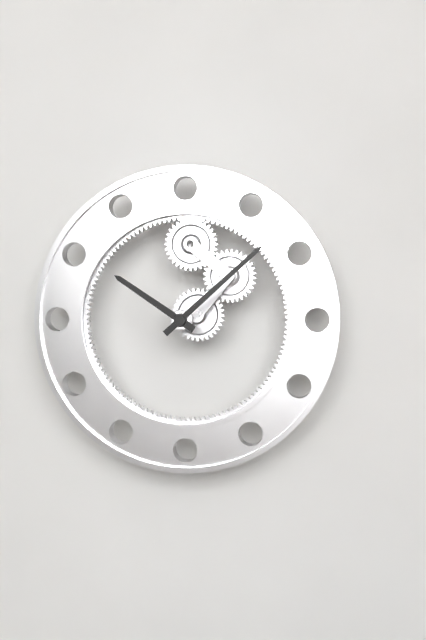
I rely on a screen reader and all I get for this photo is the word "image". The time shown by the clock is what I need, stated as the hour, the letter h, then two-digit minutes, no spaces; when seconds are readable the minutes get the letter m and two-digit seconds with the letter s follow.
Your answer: 10h08
